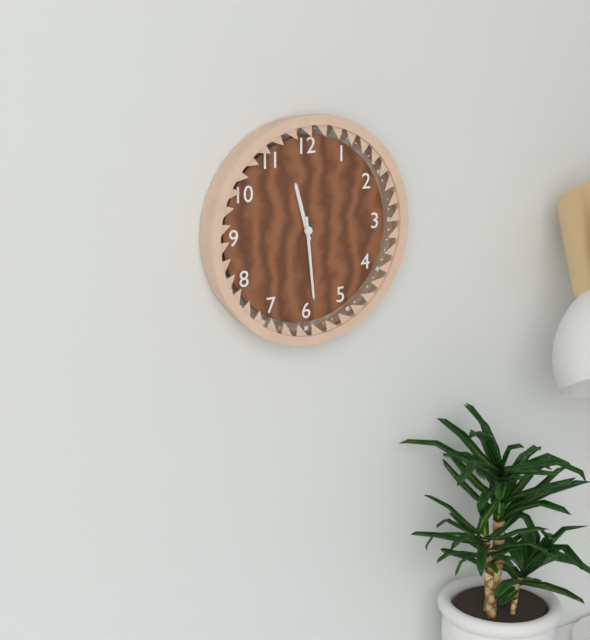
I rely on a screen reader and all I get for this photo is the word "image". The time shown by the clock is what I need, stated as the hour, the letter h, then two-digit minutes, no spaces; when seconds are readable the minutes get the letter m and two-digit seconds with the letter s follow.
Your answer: 11h29
